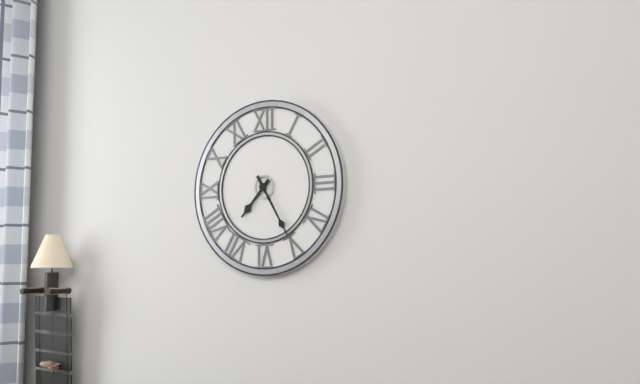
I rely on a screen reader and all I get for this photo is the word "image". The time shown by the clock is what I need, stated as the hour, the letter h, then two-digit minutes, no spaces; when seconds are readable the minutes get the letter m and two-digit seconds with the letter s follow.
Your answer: 7h25
